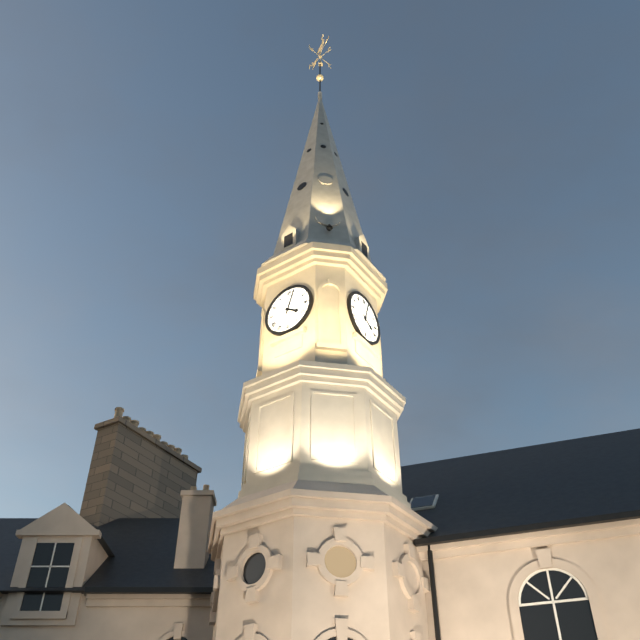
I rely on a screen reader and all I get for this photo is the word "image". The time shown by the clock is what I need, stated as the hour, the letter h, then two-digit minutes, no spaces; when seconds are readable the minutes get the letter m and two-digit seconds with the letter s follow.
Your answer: 4h03
